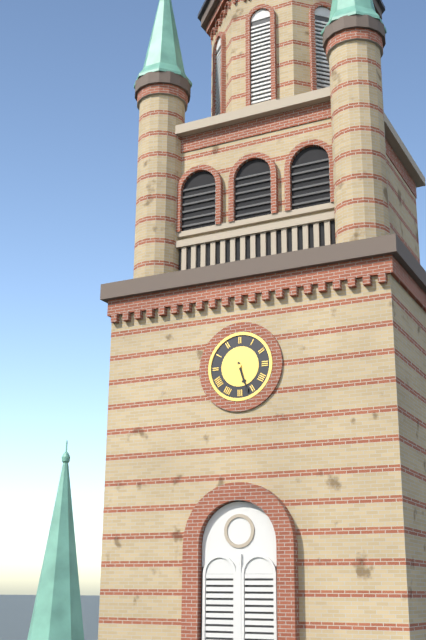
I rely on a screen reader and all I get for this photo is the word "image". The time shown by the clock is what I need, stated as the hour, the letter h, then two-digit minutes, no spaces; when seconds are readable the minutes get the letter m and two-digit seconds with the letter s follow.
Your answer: 5h27
